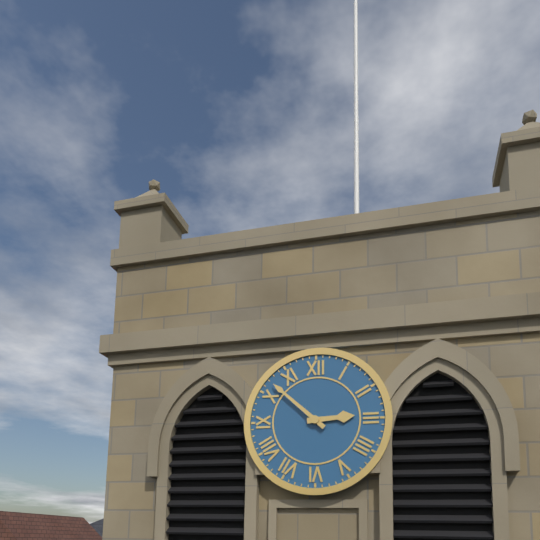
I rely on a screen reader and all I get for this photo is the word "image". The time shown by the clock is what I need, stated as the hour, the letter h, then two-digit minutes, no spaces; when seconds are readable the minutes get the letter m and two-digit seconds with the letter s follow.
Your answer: 2h52
